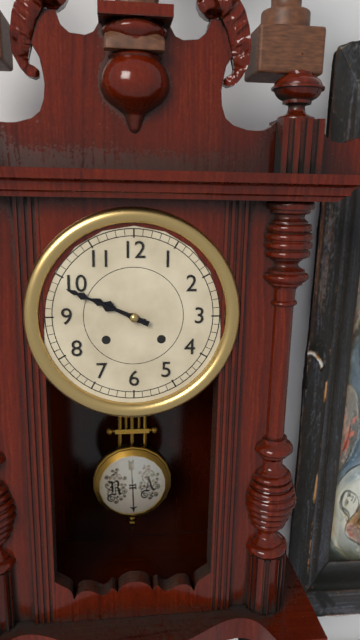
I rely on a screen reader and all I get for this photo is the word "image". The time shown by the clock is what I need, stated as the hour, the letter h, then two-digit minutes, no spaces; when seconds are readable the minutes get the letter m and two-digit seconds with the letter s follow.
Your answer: 9h49
